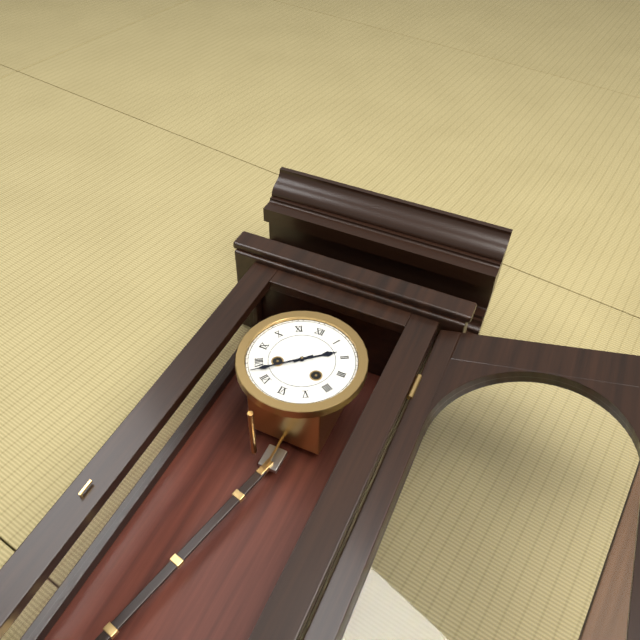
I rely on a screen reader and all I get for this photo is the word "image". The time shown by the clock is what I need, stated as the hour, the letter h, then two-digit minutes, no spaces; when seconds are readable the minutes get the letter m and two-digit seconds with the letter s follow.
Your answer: 1h38
